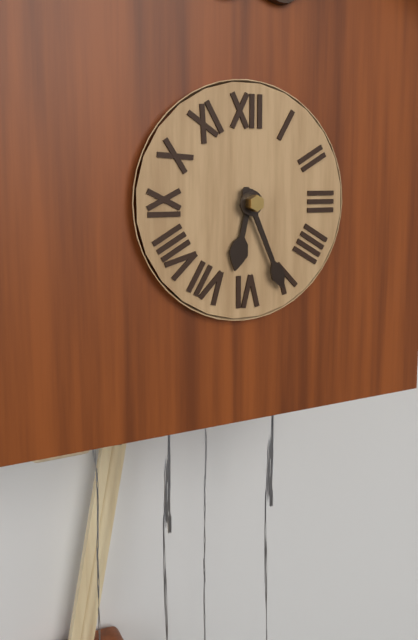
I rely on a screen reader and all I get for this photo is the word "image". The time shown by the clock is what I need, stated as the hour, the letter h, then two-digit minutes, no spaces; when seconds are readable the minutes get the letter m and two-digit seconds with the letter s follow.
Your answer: 6h26
